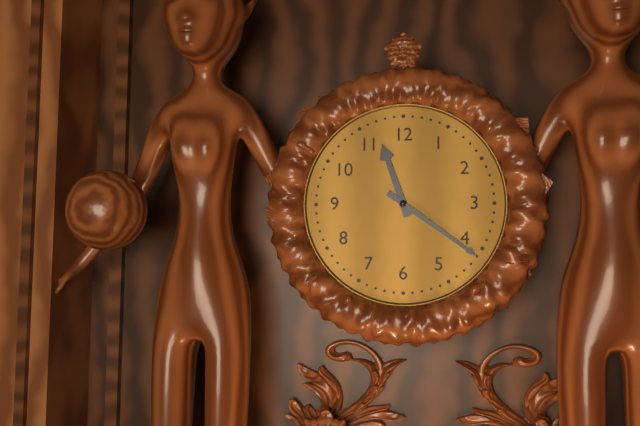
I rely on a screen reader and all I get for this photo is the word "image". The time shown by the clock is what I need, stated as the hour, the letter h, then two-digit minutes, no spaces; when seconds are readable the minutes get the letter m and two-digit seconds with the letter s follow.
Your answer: 11h21
